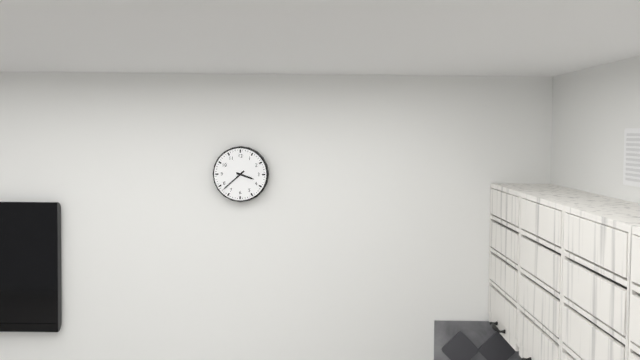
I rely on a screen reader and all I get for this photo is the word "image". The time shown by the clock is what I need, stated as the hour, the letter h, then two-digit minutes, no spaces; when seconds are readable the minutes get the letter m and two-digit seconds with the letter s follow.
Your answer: 3h38
